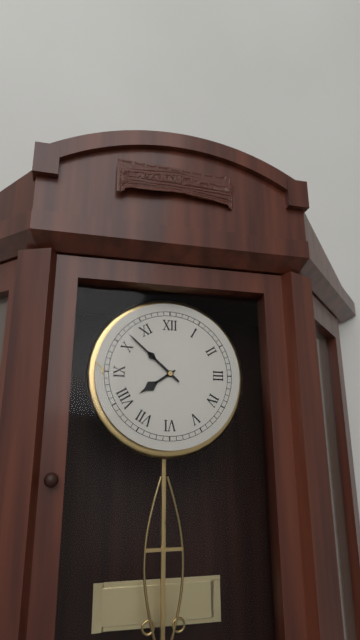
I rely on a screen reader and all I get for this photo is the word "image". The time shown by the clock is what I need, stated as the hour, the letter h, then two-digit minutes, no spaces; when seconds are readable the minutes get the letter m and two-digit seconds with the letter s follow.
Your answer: 7h52
